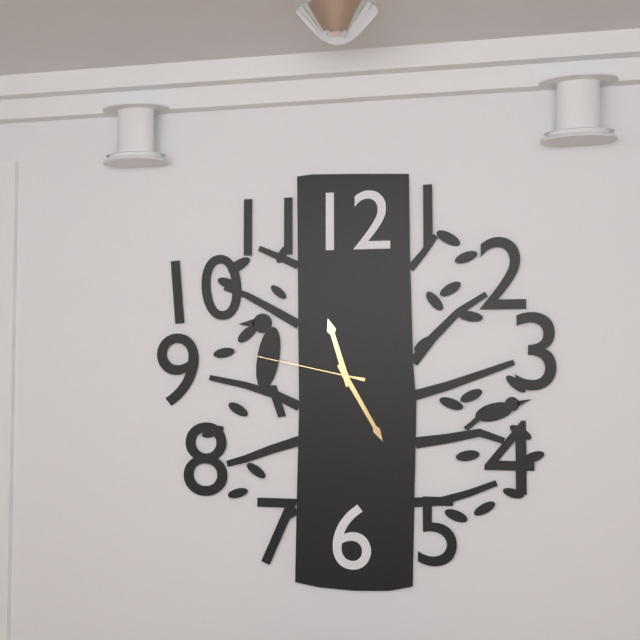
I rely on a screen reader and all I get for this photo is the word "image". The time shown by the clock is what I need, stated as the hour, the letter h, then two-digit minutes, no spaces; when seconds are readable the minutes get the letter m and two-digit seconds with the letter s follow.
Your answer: 11h25m47s
